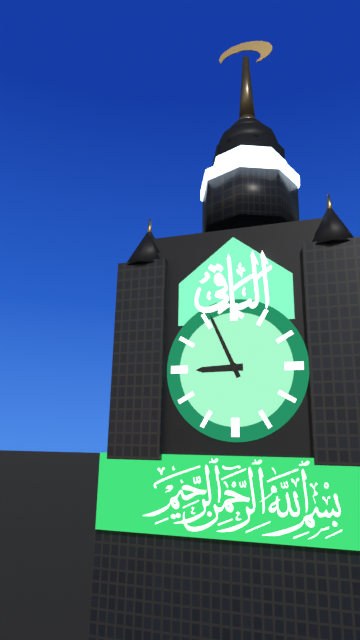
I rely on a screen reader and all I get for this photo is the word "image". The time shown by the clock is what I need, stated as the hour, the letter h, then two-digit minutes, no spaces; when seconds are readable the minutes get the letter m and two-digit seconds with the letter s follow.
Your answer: 8h56
